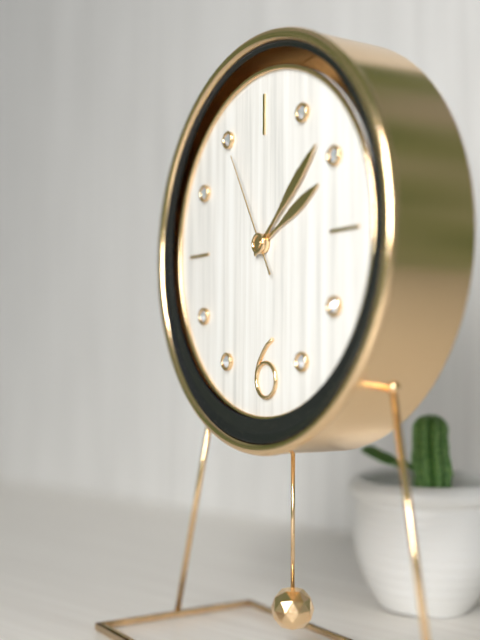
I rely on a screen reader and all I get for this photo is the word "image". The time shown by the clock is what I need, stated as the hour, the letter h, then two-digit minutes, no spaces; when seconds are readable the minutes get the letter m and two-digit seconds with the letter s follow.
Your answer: 2h08m55s
